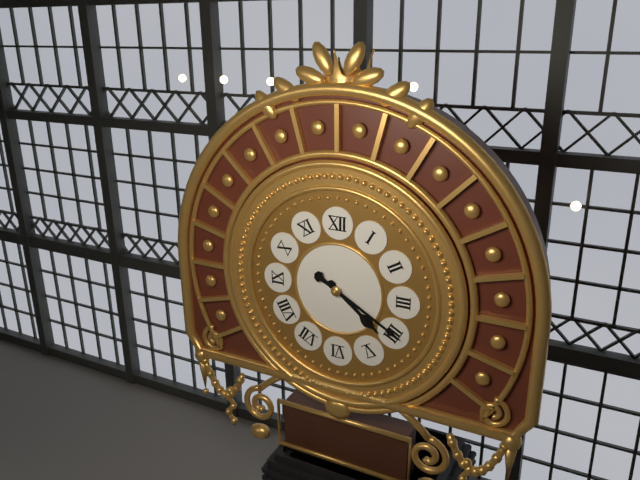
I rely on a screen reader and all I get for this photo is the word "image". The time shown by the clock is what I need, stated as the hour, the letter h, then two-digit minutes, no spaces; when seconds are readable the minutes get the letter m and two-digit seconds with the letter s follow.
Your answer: 4h20
